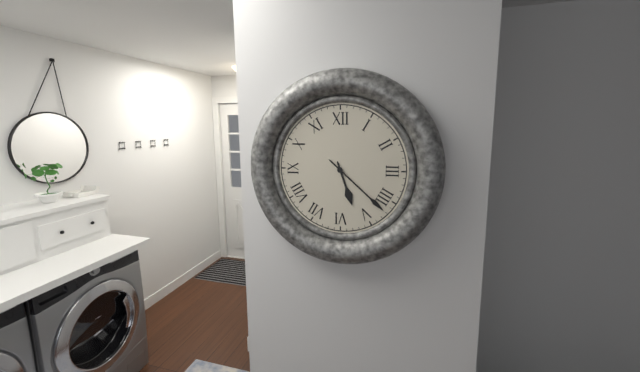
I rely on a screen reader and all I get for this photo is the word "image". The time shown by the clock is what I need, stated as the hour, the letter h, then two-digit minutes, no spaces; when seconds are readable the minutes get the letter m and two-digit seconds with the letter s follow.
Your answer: 5h22
